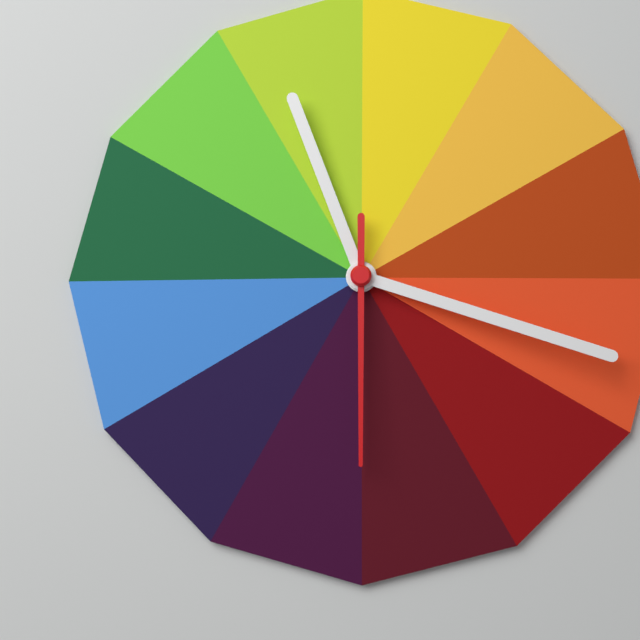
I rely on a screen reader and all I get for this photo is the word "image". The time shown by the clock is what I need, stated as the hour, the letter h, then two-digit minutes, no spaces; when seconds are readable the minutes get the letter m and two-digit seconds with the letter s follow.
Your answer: 11h18m30s
